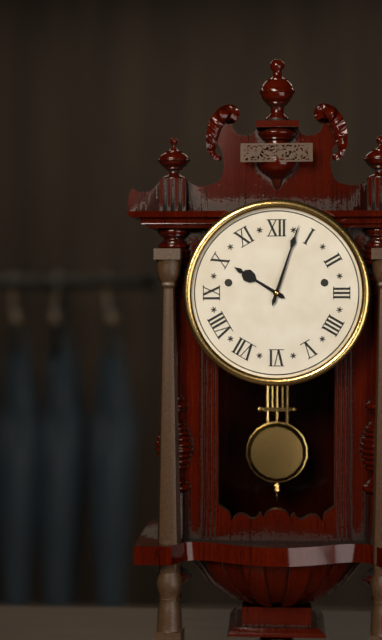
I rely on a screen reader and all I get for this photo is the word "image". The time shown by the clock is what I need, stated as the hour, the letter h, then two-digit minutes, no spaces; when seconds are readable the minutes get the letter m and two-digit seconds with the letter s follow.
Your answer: 10h03
